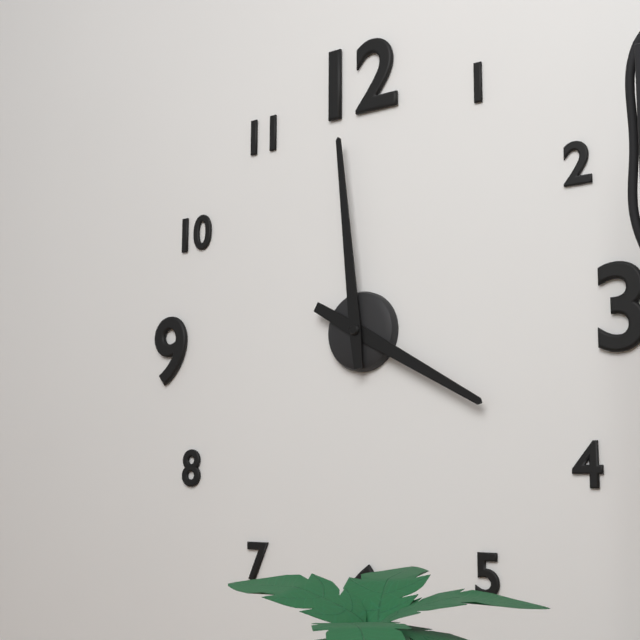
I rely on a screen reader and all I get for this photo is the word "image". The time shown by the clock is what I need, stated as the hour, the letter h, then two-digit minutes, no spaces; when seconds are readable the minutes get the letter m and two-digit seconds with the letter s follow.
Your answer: 3h59
